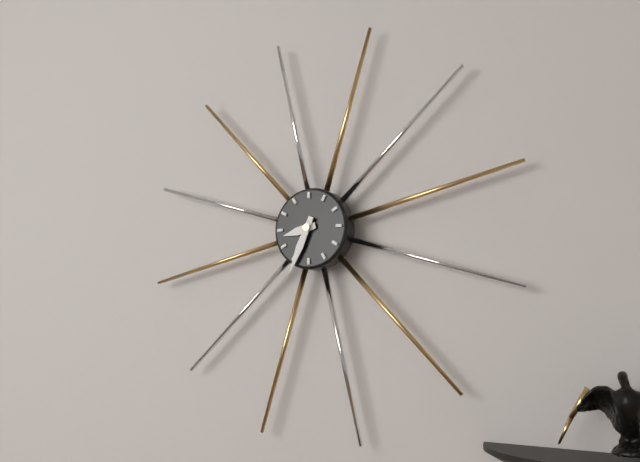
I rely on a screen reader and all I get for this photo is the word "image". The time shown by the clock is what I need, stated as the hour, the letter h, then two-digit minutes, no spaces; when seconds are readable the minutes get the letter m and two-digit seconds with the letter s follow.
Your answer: 8h34
